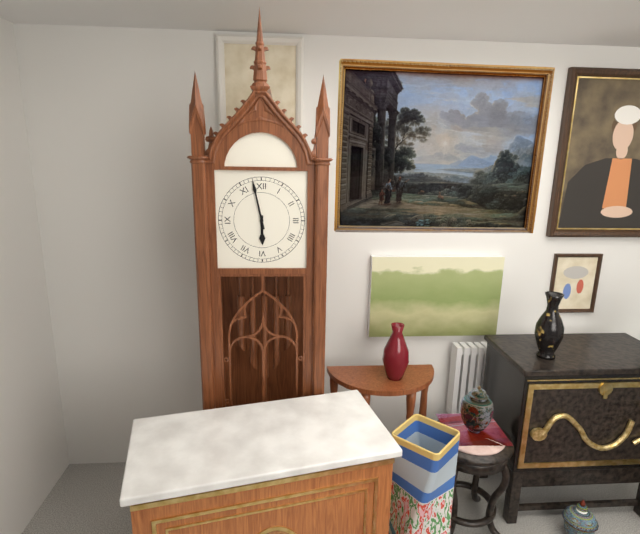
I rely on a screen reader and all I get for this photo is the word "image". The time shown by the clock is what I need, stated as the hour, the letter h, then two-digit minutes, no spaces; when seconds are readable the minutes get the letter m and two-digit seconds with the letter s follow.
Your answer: 5h58
